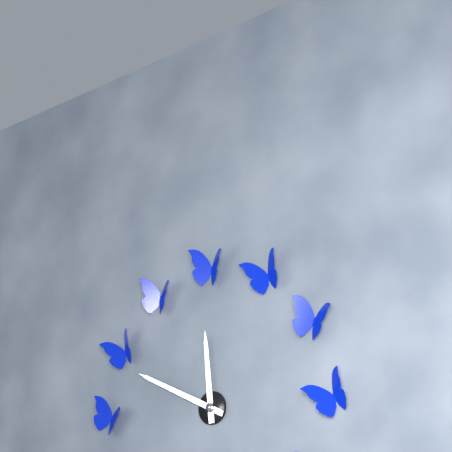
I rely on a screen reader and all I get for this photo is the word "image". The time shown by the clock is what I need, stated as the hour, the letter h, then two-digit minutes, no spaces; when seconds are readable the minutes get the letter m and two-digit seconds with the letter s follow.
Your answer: 11h49
